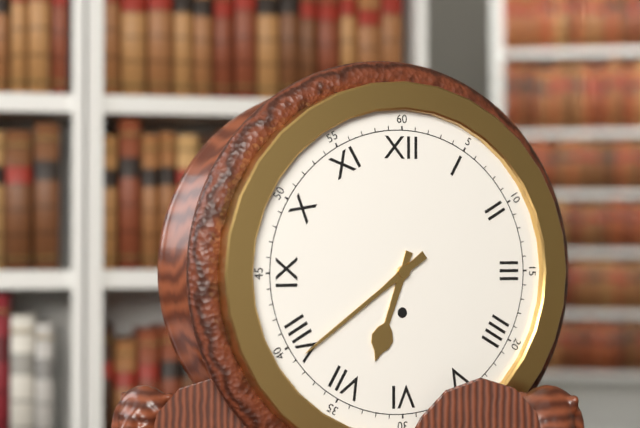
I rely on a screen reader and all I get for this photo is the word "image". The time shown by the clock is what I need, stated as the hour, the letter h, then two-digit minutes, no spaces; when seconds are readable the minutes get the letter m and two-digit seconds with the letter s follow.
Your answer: 6h39
